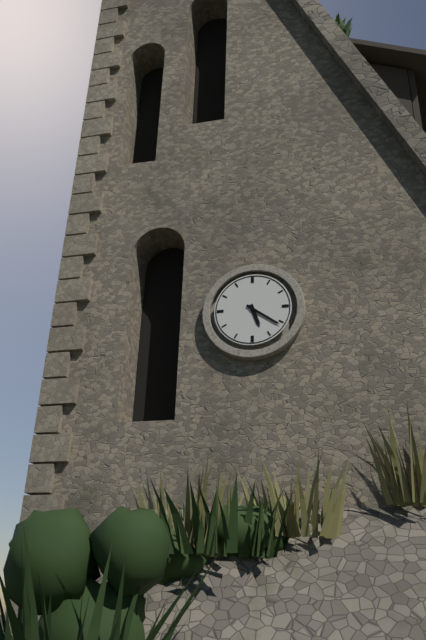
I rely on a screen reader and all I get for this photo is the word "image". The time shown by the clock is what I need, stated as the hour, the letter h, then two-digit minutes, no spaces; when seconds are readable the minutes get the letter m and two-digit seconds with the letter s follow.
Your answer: 5h21
